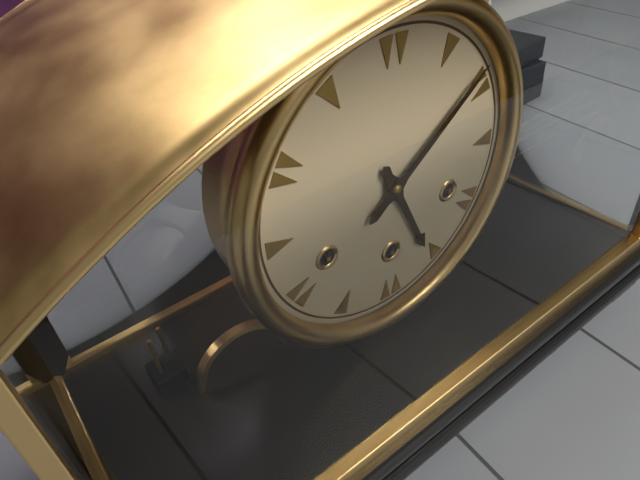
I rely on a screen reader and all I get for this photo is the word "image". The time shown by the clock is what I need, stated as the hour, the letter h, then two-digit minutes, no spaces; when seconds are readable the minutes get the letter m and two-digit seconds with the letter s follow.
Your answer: 5h09
